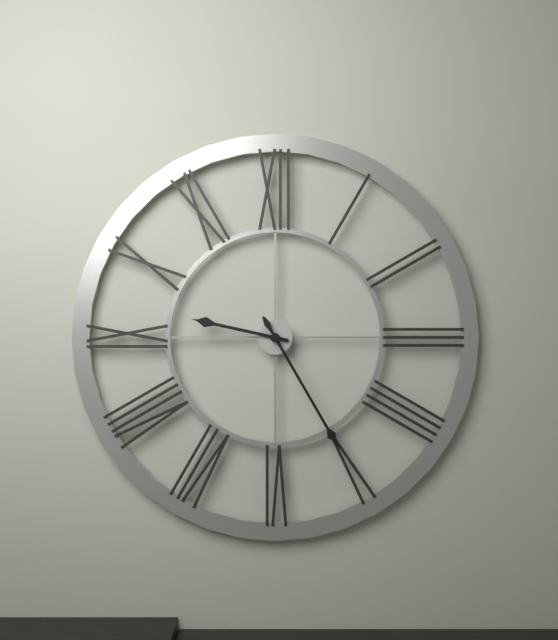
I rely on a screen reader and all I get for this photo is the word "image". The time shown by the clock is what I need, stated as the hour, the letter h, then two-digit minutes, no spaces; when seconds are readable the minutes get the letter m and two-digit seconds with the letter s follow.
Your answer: 9h25
